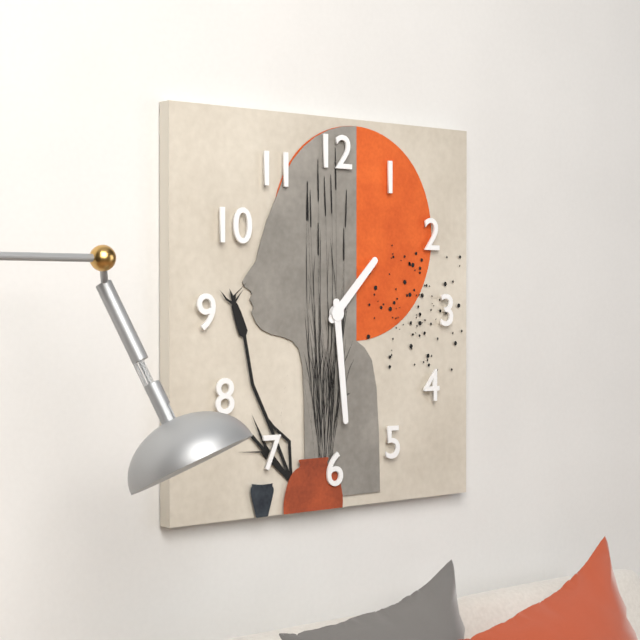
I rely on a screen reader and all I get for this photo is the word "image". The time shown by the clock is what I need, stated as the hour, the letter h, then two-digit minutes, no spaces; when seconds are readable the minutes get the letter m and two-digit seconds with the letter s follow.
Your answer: 1h29
